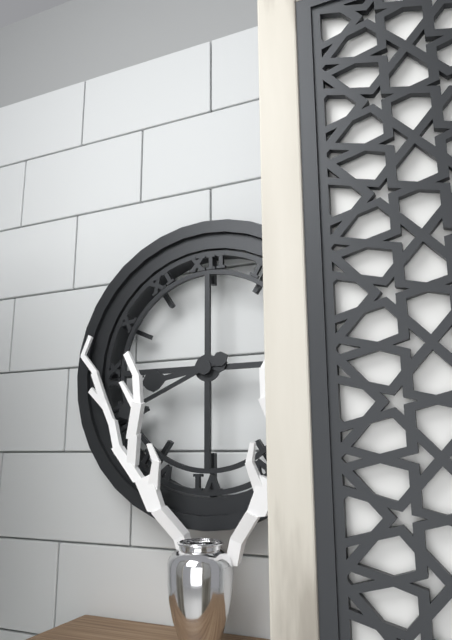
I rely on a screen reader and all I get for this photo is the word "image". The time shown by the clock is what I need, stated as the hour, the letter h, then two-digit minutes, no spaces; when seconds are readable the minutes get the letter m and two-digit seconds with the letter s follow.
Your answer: 8h41
